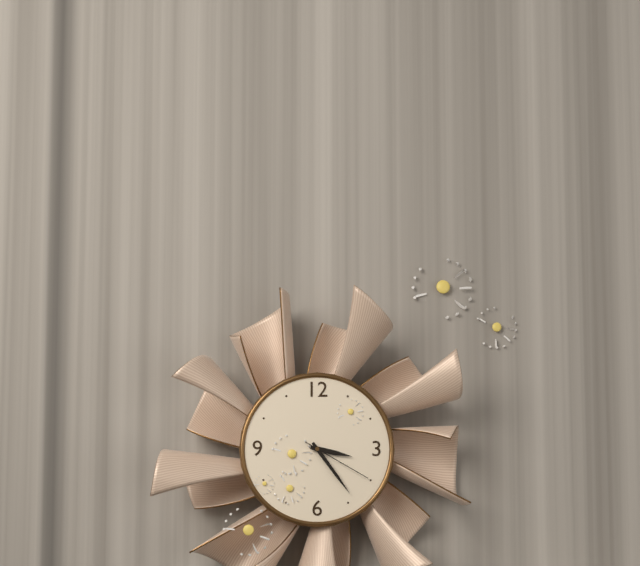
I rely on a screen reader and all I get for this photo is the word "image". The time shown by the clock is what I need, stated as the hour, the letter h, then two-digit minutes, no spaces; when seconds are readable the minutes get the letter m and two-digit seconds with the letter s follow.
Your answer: 3h24m20s
